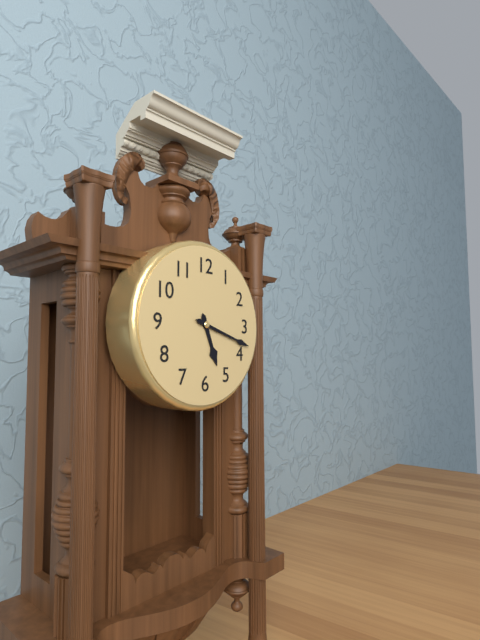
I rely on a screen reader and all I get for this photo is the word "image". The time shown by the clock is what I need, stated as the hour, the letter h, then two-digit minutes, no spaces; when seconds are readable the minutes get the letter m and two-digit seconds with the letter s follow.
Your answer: 5h18
